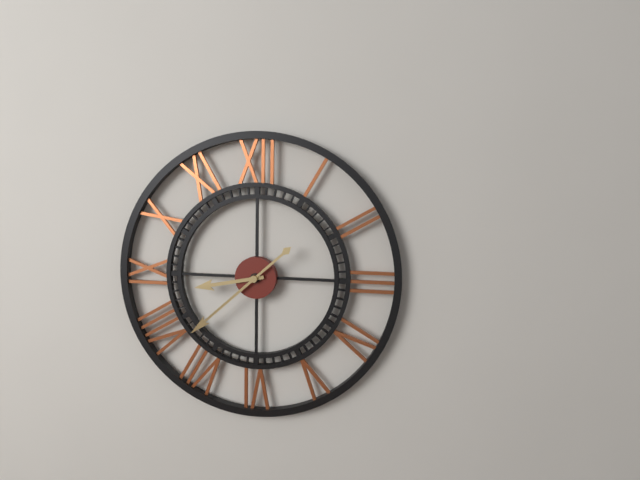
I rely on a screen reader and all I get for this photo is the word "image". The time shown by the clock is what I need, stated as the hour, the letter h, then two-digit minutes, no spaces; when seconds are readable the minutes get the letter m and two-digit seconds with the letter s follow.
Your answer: 8h38
